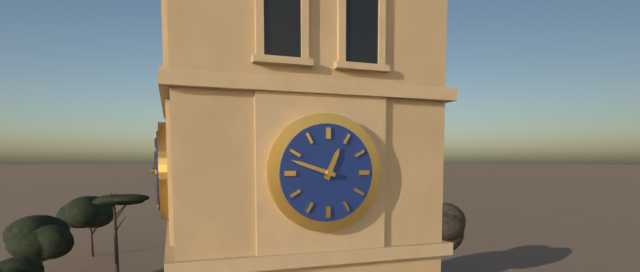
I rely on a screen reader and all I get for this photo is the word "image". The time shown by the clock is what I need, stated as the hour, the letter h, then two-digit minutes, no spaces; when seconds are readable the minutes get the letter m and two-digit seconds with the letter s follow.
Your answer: 12h48
